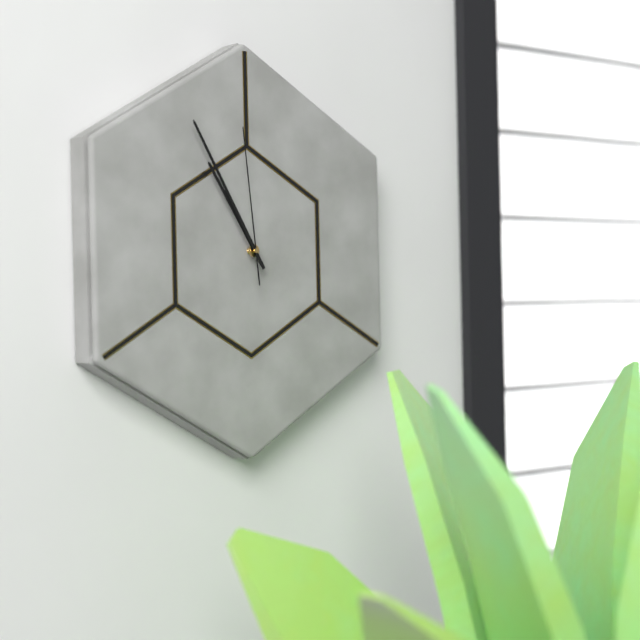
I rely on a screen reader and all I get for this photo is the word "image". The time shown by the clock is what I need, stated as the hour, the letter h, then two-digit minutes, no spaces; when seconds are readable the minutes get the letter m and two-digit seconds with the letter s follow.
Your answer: 10h55m59s
